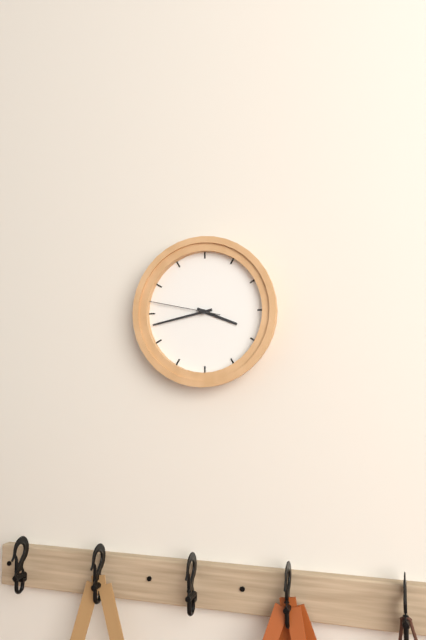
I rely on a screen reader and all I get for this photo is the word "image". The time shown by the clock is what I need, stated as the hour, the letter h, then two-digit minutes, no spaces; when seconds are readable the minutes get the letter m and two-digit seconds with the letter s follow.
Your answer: 3h43m47s
